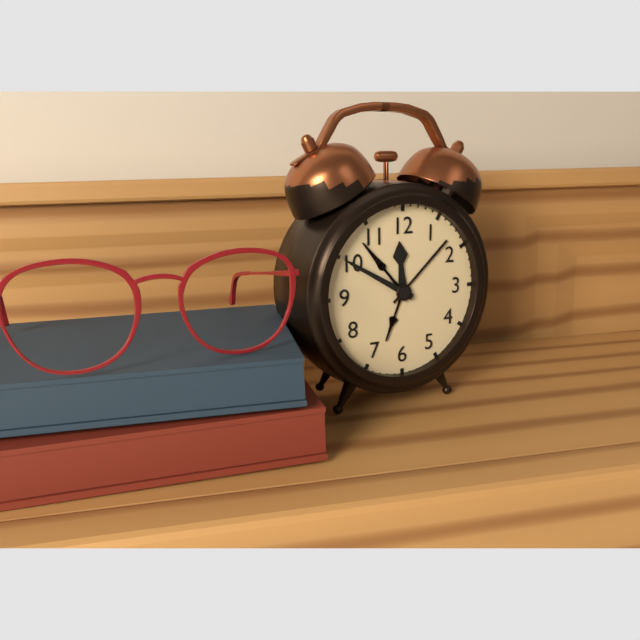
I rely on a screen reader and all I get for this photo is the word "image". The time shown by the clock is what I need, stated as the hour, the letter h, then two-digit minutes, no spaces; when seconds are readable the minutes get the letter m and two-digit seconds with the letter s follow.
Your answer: 11h50
